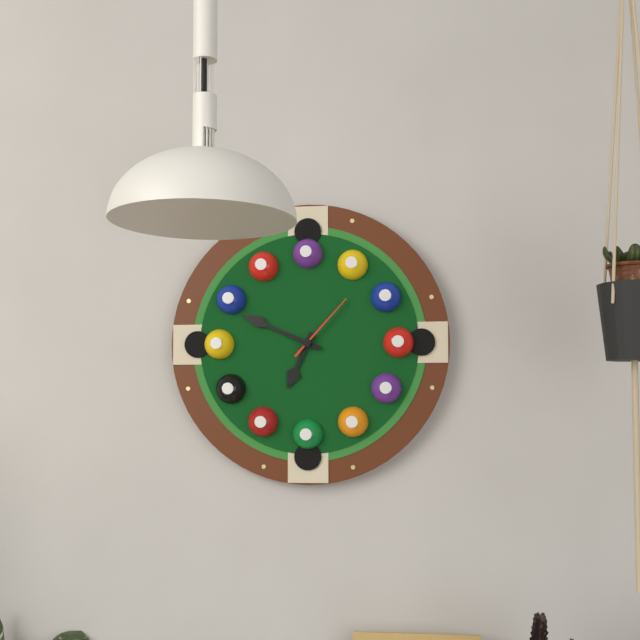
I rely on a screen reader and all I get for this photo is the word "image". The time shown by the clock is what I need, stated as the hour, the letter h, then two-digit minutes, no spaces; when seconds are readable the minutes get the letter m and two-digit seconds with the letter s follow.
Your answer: 6h49m07s
